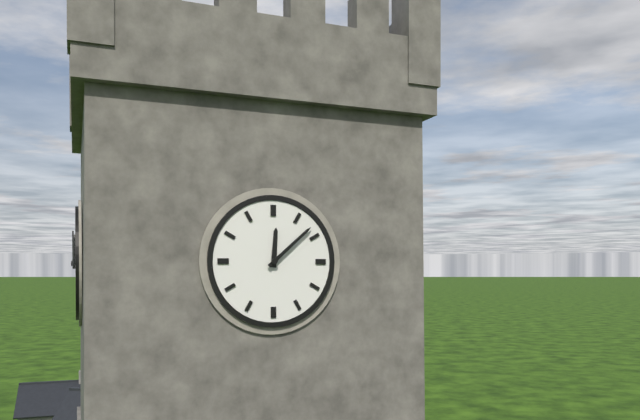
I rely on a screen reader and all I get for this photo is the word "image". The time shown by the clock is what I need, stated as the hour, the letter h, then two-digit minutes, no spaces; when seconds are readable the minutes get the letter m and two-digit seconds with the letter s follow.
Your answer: 12h08
